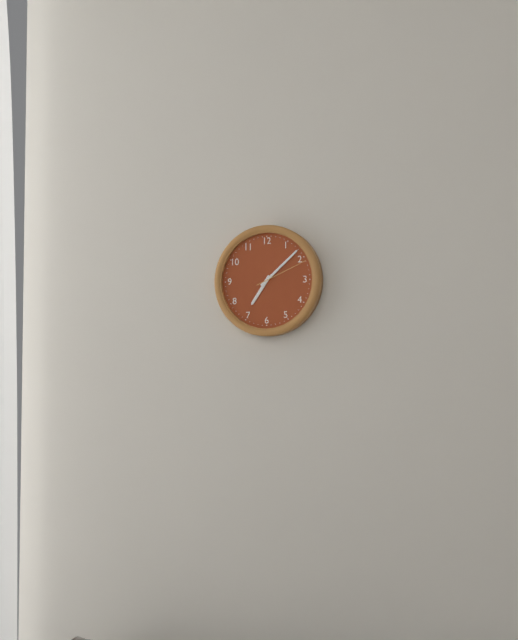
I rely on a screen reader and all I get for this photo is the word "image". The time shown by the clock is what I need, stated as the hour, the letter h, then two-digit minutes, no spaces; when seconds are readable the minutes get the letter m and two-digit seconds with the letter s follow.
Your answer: 7h08m11s
